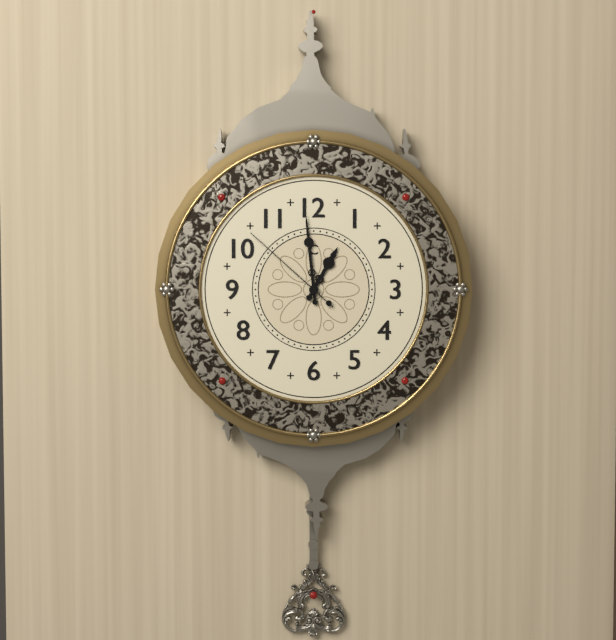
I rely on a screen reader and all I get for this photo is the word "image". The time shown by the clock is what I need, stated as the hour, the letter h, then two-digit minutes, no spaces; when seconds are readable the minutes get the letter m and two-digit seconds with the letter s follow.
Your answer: 12h59m52s
